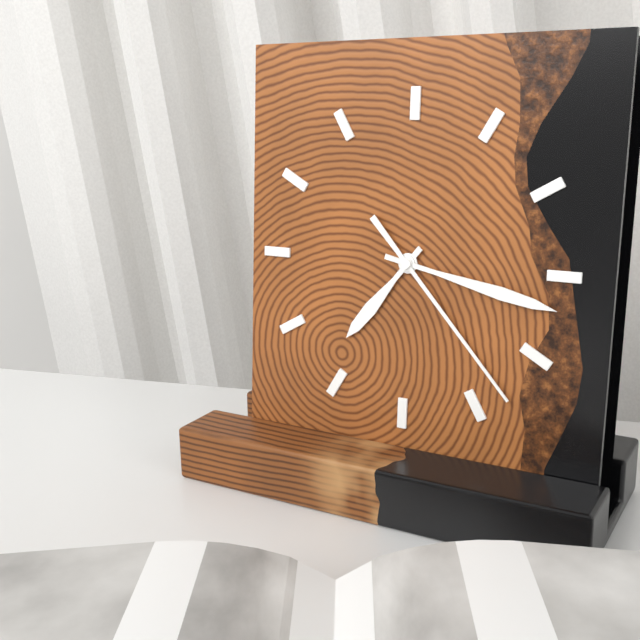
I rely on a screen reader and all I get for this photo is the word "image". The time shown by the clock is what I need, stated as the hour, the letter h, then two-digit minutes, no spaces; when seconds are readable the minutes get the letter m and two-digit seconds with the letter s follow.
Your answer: 7h17m23s
